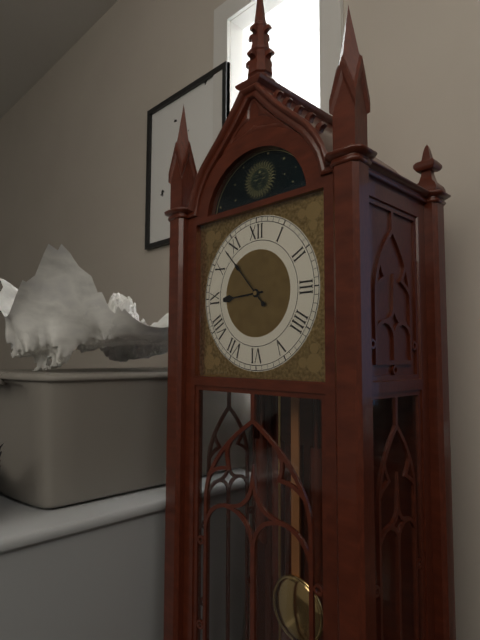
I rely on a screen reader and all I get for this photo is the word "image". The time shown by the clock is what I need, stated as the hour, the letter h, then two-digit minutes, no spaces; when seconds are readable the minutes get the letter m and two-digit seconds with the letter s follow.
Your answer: 8h53
